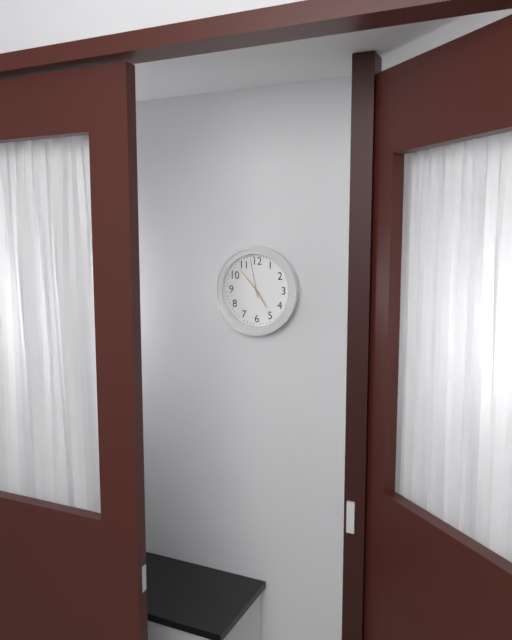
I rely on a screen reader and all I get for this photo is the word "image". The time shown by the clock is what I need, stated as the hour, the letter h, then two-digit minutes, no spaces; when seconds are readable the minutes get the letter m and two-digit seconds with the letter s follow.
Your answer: 4h53
